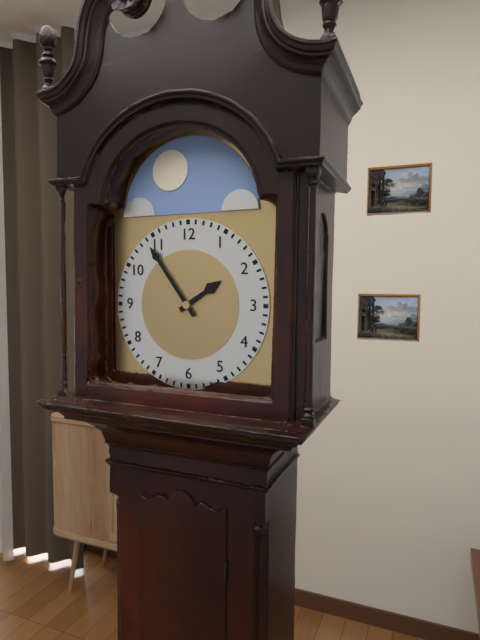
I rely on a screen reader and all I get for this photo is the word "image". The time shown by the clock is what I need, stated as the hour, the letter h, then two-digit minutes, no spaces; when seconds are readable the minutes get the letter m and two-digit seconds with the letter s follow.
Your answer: 1h54
